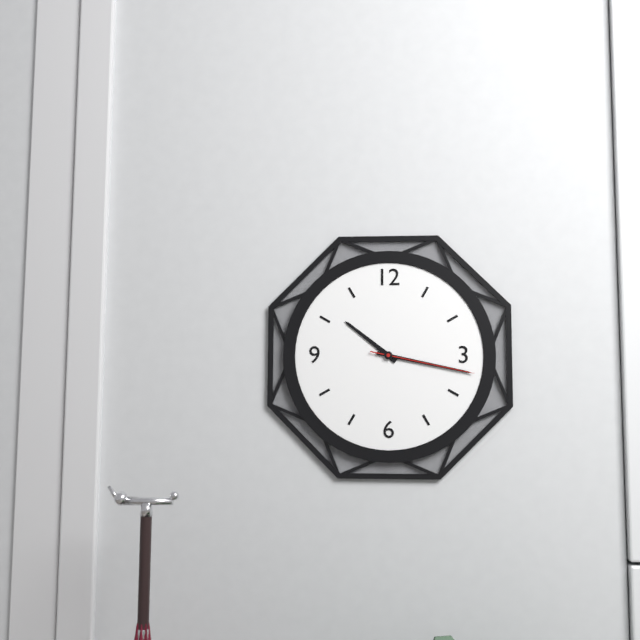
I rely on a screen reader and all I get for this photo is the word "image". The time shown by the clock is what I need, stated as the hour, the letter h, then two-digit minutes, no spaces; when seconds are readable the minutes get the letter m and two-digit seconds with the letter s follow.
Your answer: 10h17m17s
